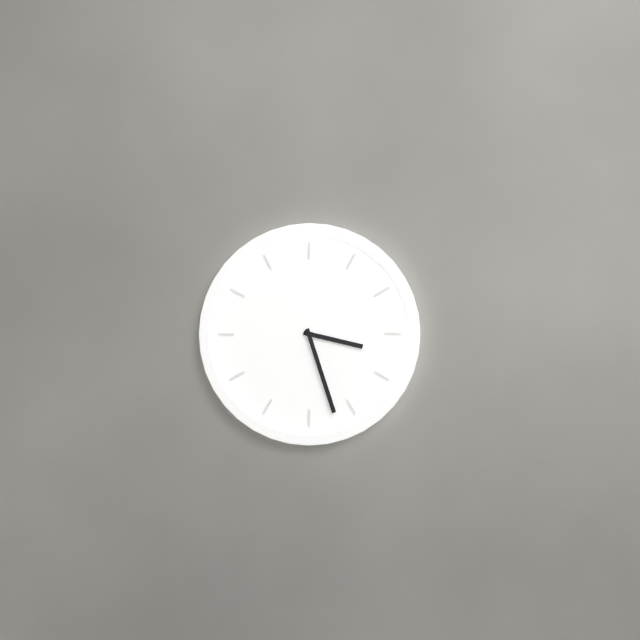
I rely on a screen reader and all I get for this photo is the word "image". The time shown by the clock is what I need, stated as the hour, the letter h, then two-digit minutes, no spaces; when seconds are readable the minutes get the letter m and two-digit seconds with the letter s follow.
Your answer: 3h27
